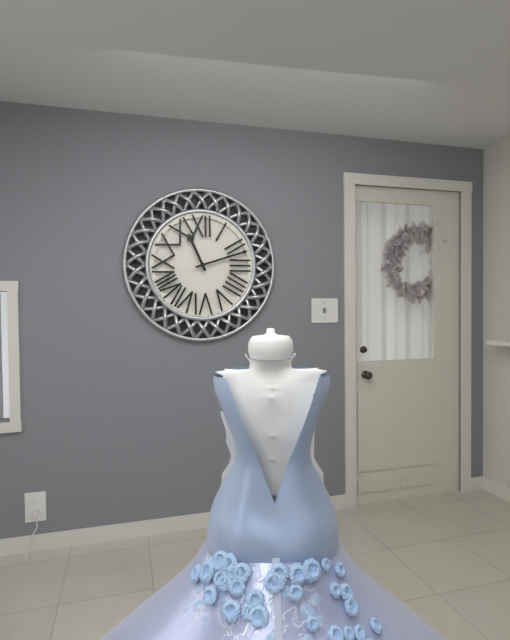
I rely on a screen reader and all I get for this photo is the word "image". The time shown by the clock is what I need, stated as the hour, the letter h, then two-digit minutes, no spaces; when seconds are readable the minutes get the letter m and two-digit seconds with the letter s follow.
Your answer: 11h12
